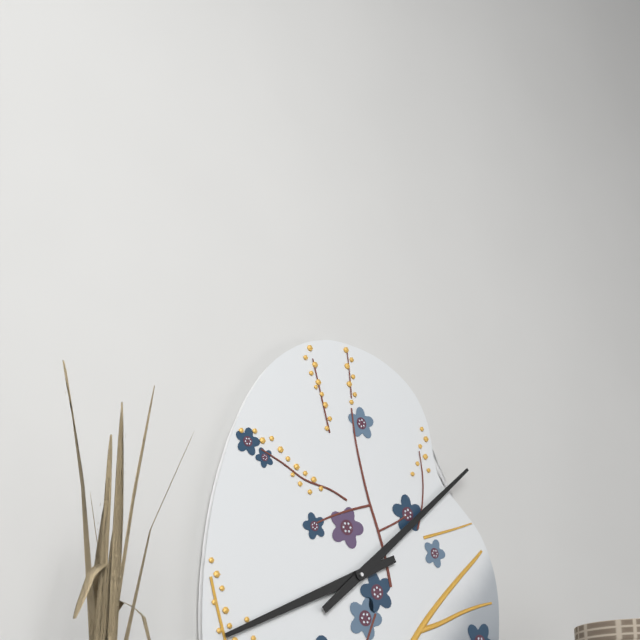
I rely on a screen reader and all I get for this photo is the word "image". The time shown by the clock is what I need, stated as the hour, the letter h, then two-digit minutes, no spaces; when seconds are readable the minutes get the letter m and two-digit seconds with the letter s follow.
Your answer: 8h08
